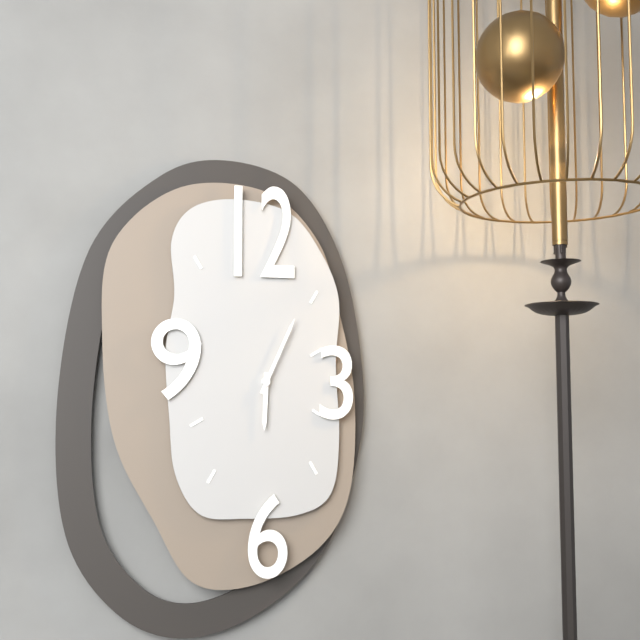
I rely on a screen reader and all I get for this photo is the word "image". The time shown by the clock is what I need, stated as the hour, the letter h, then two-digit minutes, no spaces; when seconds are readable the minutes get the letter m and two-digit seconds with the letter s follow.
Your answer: 6h04
